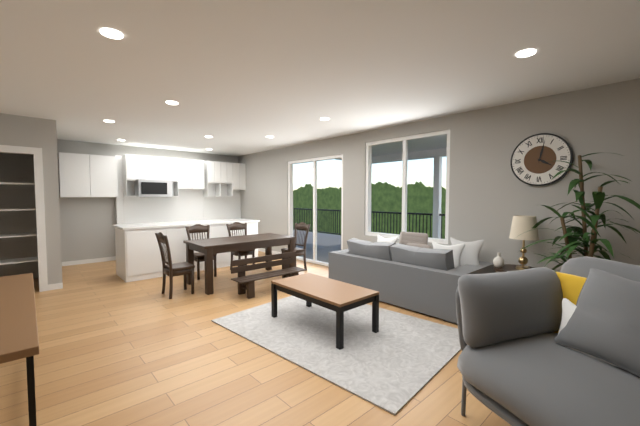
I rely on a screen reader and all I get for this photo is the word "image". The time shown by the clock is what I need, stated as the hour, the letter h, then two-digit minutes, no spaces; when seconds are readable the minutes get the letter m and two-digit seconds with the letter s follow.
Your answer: 4h02
